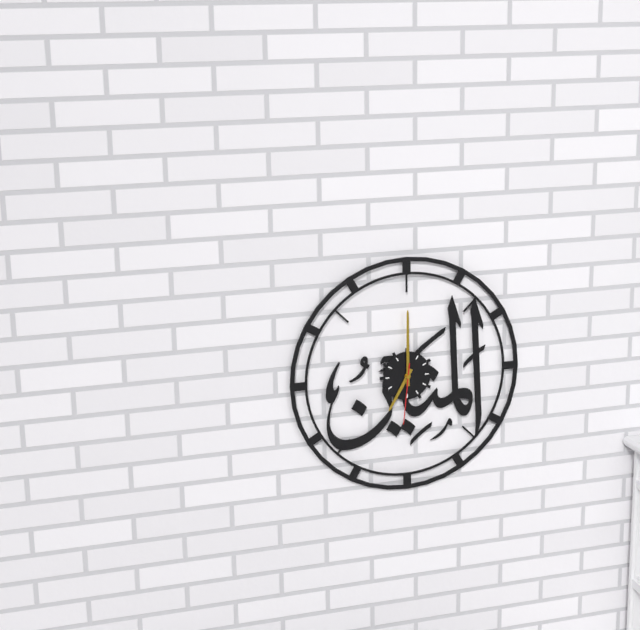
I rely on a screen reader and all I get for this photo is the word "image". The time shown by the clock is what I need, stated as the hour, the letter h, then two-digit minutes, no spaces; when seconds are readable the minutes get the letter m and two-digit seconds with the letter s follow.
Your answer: 7h00m31s
